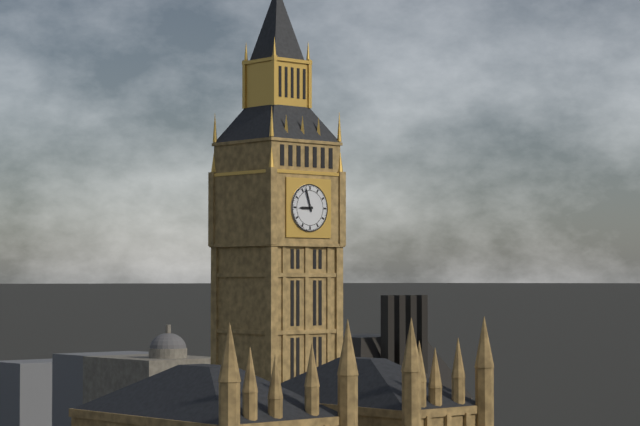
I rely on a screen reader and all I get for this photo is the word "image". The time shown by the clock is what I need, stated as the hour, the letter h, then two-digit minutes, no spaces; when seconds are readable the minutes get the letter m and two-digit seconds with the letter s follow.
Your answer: 8h57
